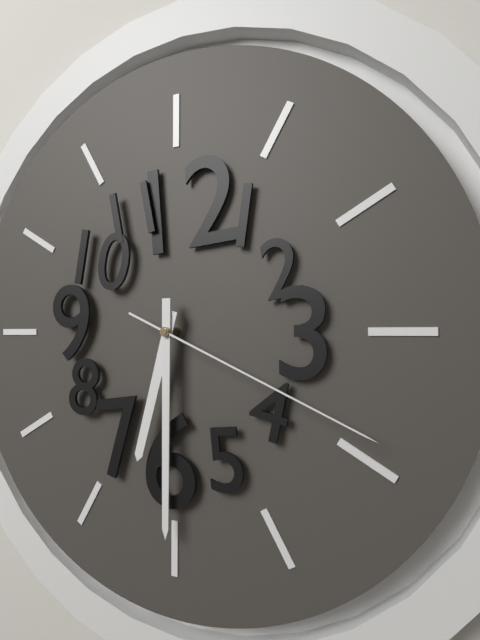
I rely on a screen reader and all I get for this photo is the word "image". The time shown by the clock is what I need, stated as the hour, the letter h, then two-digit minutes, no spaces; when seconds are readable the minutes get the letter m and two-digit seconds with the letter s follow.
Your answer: 6h30m19s
